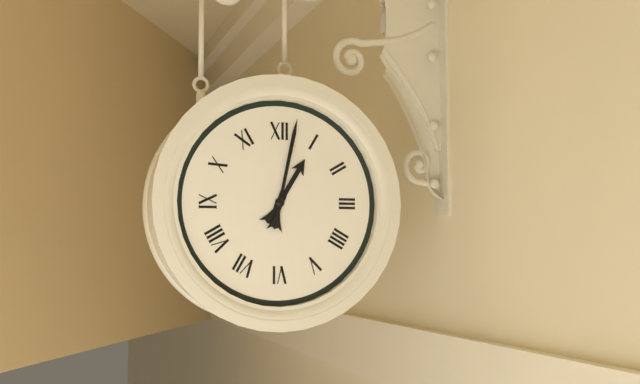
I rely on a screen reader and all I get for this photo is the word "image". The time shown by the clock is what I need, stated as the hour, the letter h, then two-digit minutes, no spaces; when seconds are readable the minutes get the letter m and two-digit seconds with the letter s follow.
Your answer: 1h02
